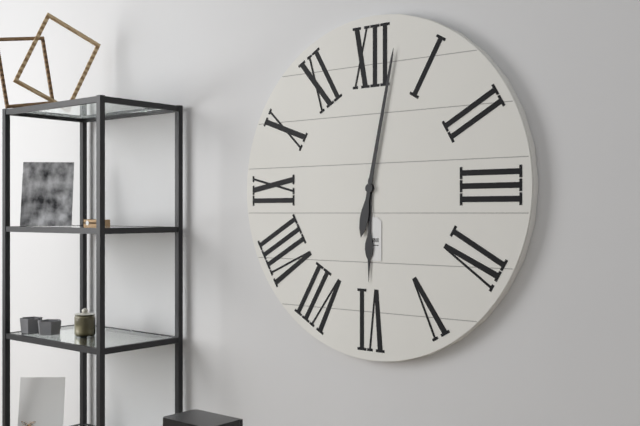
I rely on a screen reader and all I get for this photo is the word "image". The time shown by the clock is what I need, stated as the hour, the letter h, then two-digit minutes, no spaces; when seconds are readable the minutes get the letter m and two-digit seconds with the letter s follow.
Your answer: 6h02
